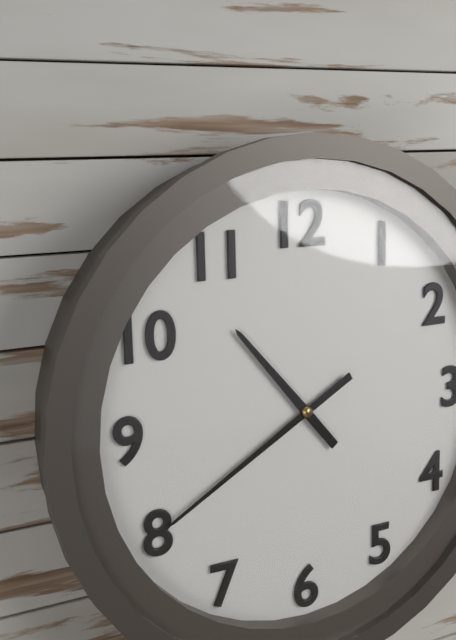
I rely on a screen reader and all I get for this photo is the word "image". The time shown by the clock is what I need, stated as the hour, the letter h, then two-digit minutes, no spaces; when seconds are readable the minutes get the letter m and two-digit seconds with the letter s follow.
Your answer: 10h40
